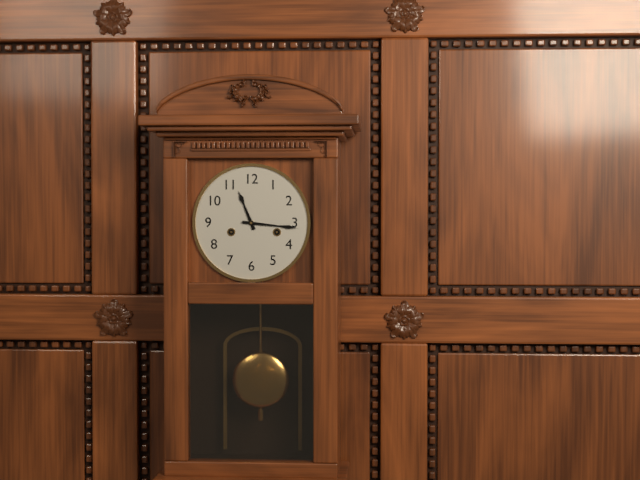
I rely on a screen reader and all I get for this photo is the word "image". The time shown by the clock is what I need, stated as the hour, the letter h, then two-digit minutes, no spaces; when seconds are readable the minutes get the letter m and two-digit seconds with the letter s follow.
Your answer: 11h16
